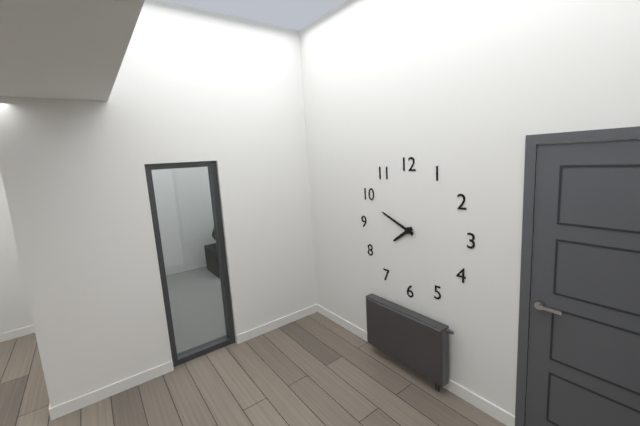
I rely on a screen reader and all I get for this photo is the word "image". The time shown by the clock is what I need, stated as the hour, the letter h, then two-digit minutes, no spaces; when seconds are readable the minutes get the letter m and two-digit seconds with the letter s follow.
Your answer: 7h49
